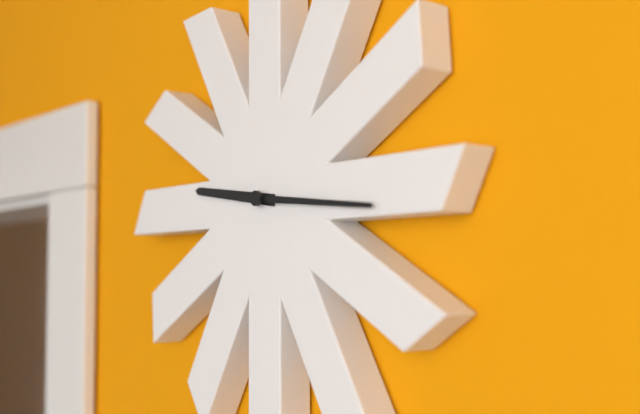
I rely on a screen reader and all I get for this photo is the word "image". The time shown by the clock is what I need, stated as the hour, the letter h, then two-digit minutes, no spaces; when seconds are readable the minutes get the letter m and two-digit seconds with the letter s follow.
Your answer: 9h16
